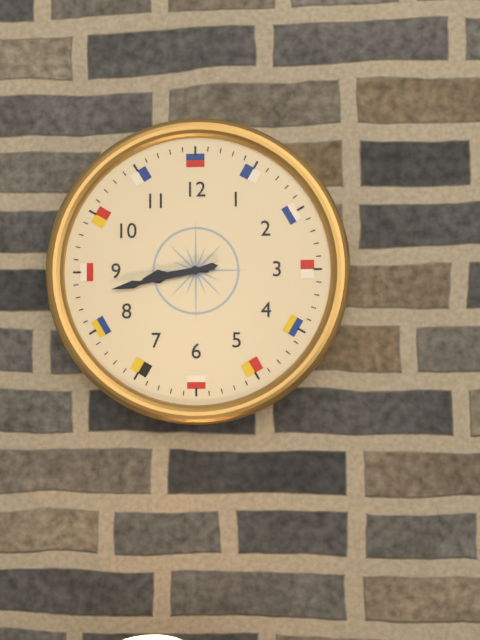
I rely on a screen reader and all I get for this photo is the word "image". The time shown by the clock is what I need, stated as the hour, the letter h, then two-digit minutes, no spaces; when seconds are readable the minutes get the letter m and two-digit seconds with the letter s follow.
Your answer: 8h43
